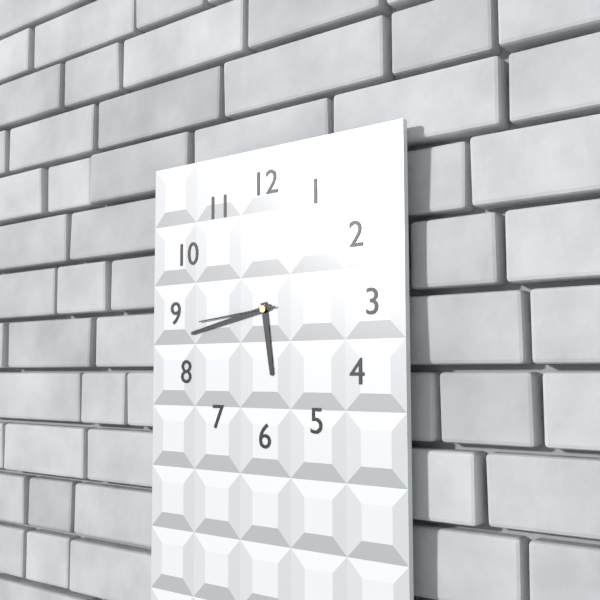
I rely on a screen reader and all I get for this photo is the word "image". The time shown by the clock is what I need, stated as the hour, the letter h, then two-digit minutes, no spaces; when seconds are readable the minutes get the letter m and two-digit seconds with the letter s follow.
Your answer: 5h43m44s
